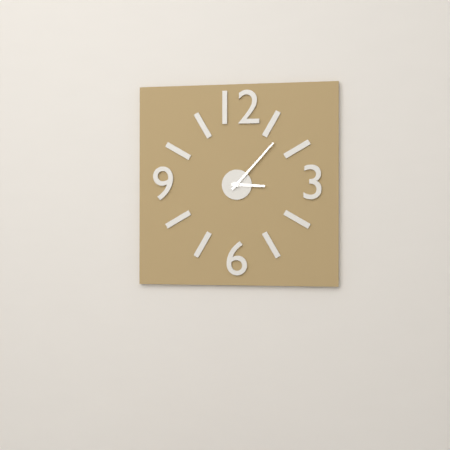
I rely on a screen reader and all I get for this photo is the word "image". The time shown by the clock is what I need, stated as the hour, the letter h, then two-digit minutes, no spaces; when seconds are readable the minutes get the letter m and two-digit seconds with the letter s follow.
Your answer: 3h07
